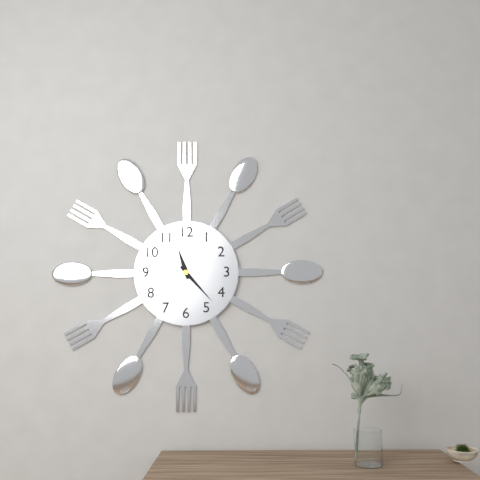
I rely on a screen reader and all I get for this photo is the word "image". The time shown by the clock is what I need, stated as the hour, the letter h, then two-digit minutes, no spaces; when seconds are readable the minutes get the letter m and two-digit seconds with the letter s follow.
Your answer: 11h23
